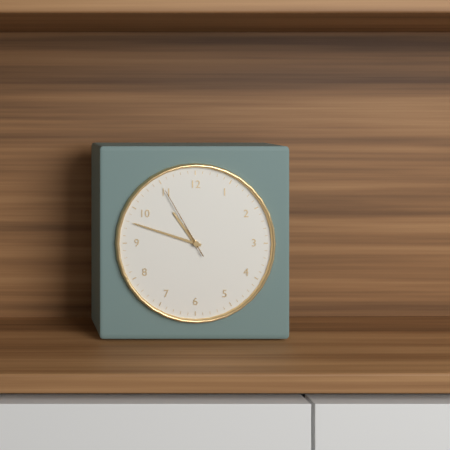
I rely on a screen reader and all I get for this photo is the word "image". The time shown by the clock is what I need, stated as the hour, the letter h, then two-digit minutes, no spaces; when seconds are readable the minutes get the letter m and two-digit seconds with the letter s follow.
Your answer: 10h48m55s
